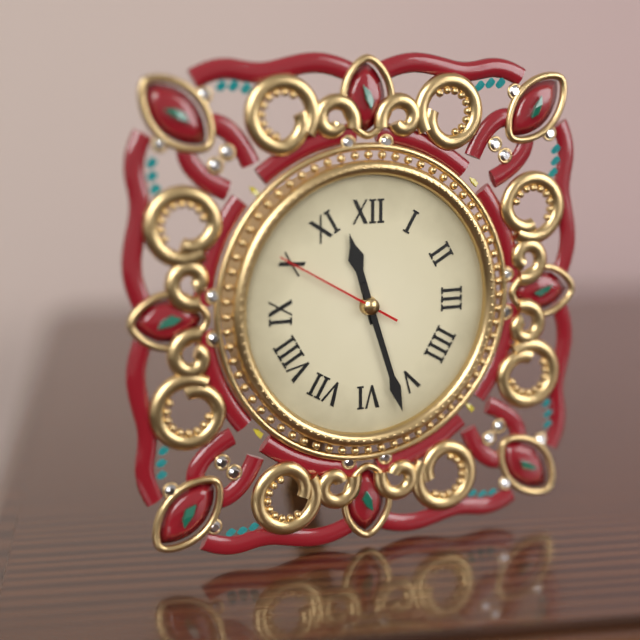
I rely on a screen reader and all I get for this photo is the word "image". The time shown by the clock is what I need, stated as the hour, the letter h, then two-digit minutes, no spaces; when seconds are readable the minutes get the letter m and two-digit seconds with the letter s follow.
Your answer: 11h27m50s
